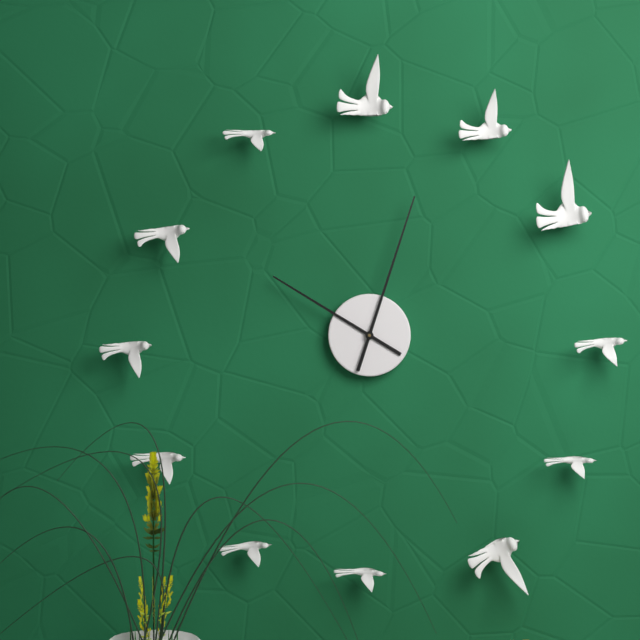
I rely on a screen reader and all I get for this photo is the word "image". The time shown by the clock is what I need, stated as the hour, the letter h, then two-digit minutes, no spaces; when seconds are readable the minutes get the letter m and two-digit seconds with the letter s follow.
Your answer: 10h03
